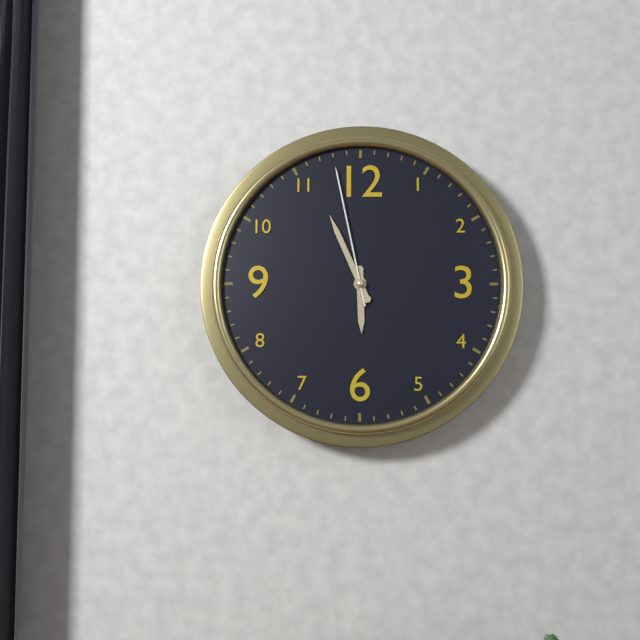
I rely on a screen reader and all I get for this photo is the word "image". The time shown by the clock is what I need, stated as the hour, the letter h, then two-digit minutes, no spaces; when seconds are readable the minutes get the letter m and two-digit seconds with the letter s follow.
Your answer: 5h56m58s
